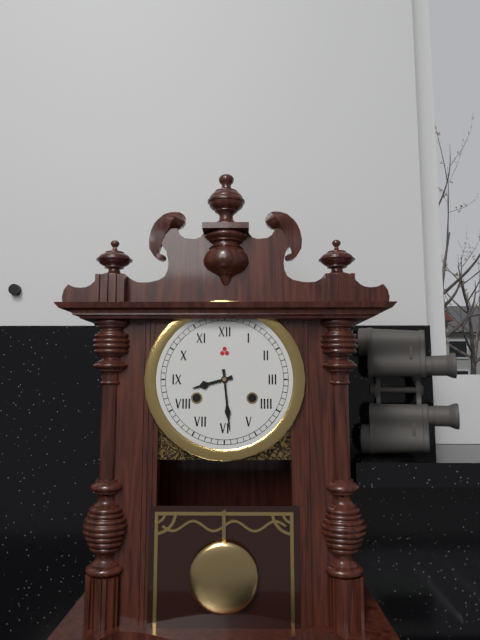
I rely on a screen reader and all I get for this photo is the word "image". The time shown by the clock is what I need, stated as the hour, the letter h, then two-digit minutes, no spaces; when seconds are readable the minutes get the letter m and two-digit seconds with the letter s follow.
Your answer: 8h29
